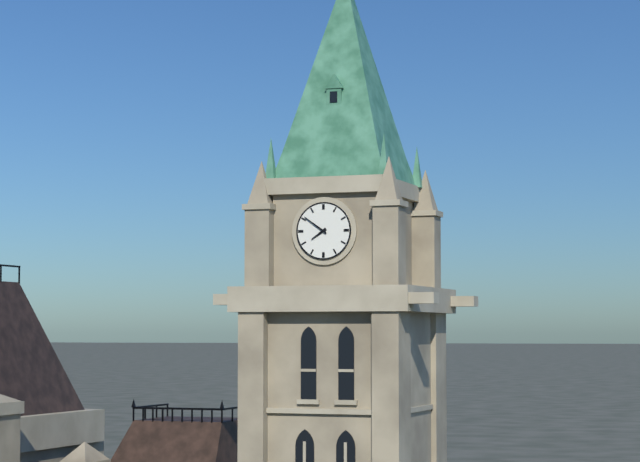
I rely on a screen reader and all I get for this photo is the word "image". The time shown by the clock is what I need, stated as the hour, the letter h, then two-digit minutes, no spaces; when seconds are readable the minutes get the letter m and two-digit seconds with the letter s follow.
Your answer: 7h51
